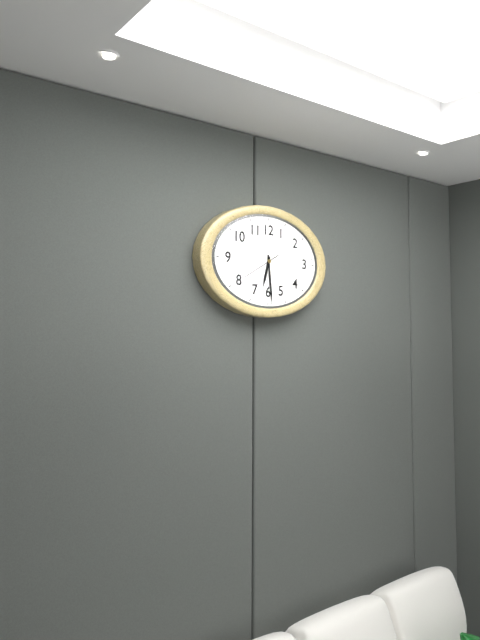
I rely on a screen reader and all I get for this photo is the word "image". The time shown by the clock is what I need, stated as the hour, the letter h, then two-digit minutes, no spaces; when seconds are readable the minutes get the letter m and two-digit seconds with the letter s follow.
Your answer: 6h29
